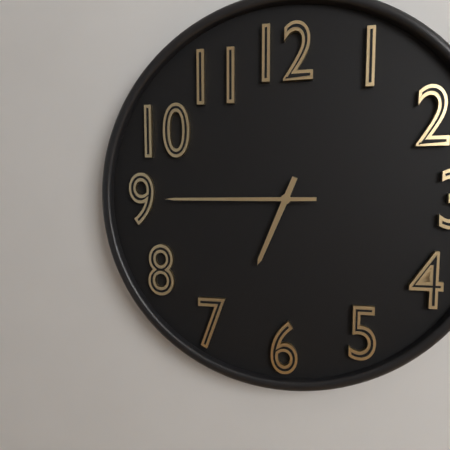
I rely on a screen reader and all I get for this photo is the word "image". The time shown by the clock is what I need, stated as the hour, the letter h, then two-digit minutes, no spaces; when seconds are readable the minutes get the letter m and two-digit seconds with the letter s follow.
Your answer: 6h45
